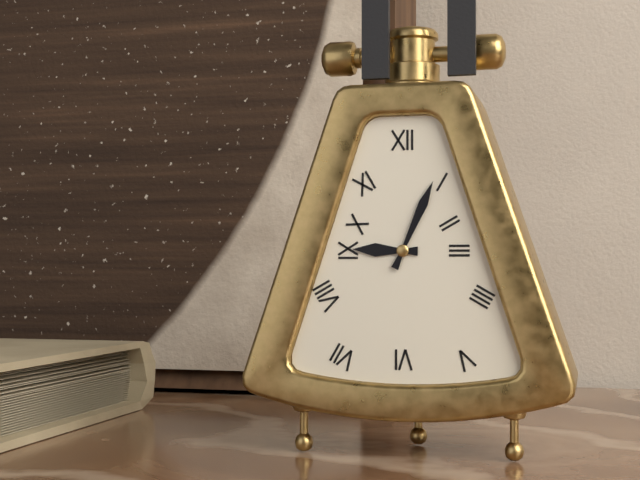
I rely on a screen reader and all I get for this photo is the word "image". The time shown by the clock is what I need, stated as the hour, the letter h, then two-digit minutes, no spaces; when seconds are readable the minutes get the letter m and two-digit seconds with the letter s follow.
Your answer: 9h04
